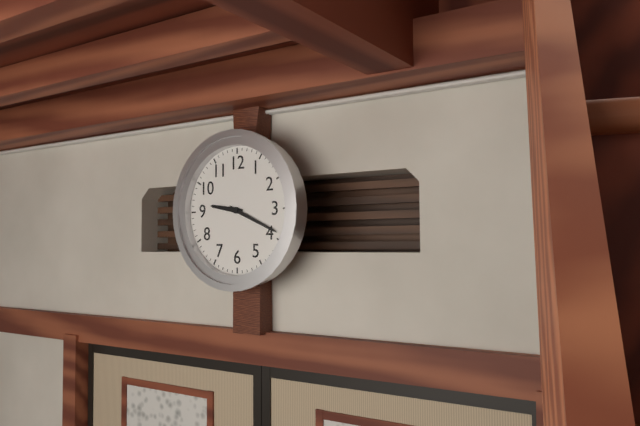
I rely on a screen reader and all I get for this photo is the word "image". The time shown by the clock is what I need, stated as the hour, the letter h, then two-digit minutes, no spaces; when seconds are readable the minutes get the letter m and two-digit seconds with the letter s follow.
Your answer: 9h19
